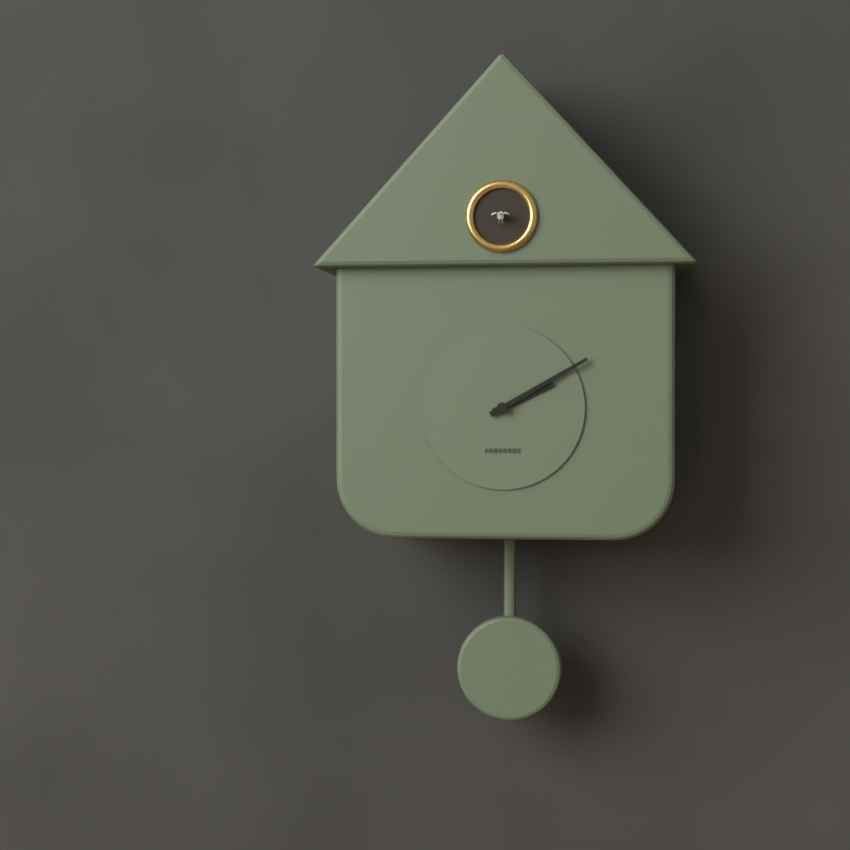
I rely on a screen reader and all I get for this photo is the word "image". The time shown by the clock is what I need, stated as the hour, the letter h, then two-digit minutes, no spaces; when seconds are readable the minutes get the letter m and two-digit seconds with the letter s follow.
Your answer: 2h10
